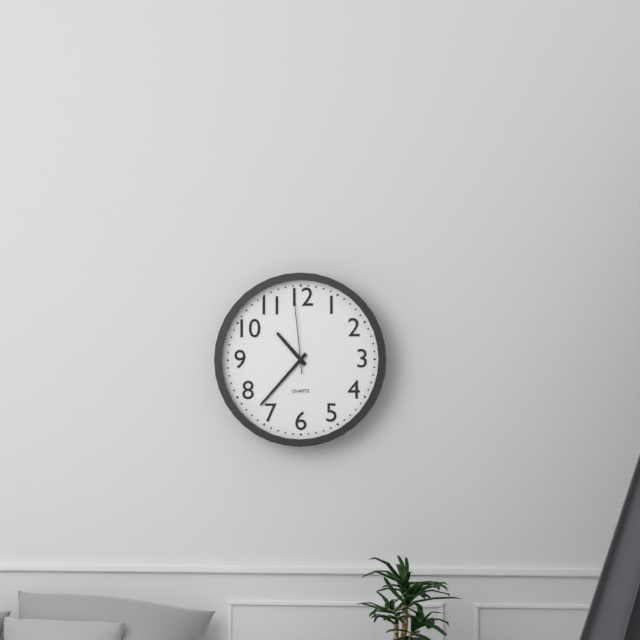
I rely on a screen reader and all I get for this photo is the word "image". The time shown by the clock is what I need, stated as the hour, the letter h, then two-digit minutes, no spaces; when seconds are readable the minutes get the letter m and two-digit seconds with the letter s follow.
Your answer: 10h37m59s
